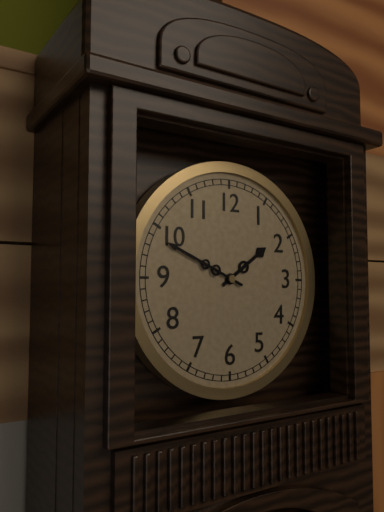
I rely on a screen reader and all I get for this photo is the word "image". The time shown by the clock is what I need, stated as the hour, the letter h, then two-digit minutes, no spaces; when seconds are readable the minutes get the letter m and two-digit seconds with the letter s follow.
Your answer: 1h49
